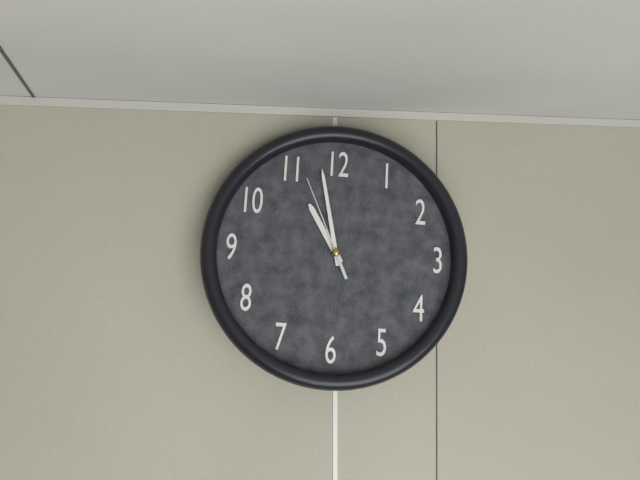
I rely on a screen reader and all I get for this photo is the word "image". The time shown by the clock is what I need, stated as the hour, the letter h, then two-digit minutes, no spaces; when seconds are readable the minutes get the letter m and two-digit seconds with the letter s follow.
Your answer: 10h58m56s
